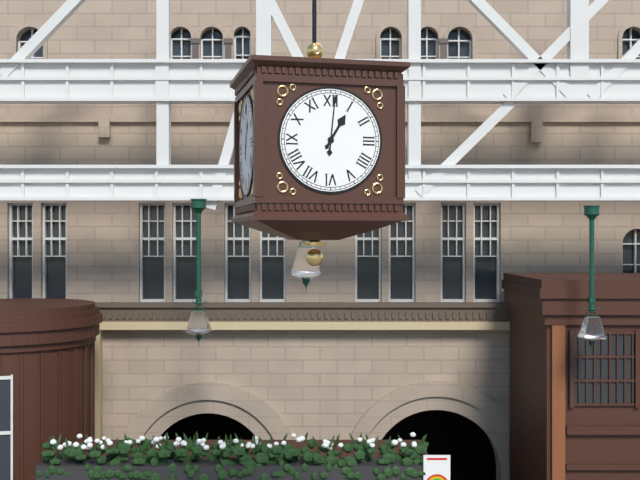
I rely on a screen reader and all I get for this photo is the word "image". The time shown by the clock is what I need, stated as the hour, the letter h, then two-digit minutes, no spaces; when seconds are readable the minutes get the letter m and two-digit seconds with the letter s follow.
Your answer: 1h01
